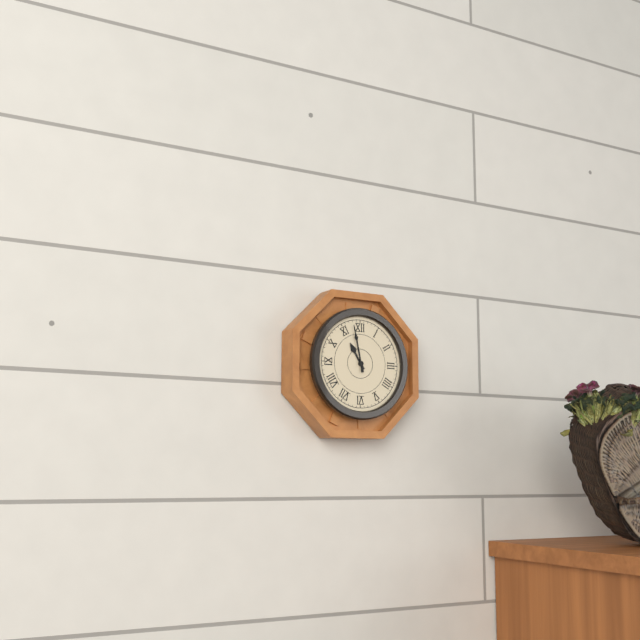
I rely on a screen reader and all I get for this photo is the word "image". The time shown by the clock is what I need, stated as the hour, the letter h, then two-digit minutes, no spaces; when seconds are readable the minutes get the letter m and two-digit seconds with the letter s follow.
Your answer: 10h58
